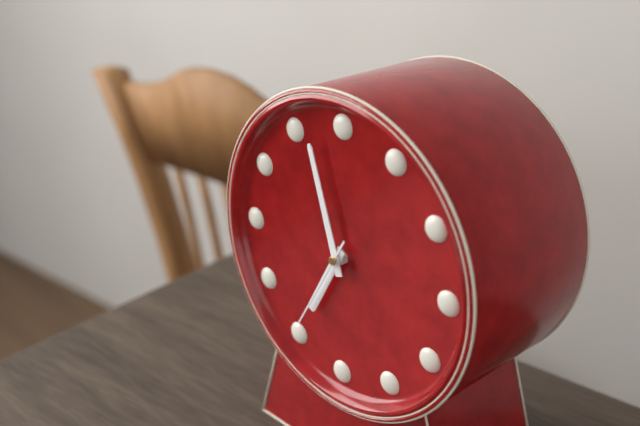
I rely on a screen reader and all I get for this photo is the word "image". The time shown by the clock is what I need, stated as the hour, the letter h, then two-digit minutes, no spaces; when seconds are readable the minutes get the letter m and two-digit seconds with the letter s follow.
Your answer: 6h57m35s
